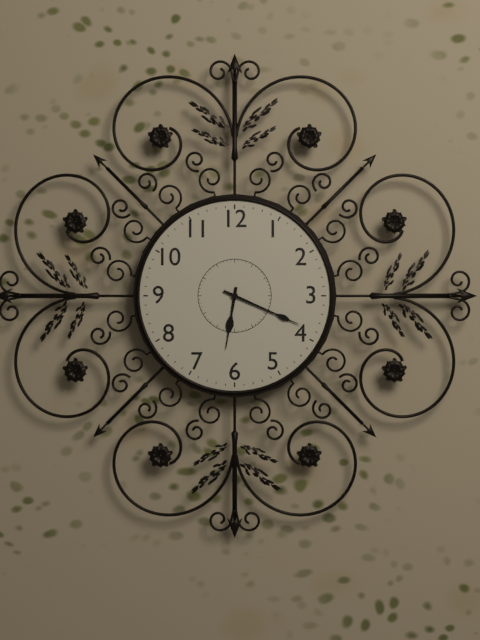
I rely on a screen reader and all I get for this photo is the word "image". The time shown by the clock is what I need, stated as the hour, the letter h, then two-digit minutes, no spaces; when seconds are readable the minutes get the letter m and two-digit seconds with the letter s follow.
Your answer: 6h19
